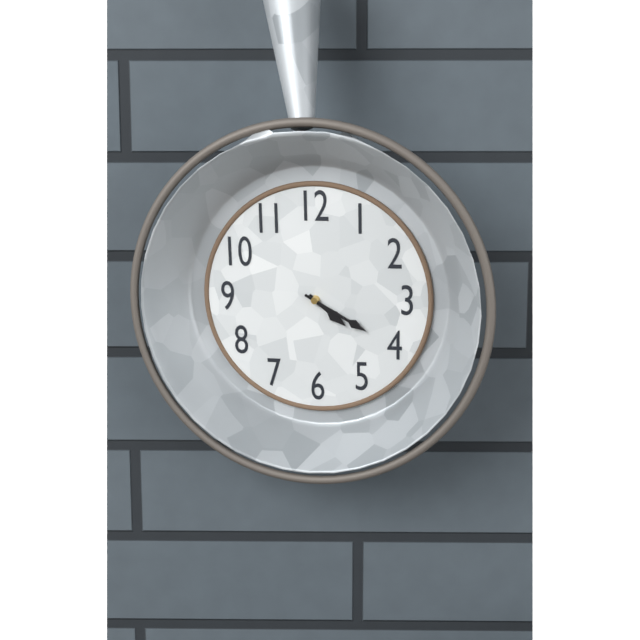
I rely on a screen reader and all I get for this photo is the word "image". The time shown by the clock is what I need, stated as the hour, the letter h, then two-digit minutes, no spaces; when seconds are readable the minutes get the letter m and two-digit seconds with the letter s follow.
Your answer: 4h20
